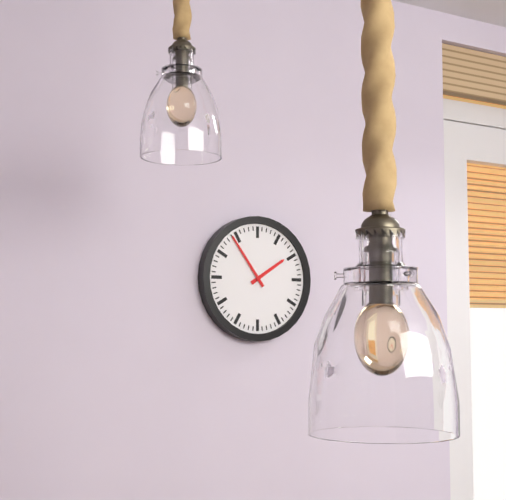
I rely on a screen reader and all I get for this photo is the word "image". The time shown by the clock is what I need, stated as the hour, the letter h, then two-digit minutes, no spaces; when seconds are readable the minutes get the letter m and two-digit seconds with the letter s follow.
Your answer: 1h54
